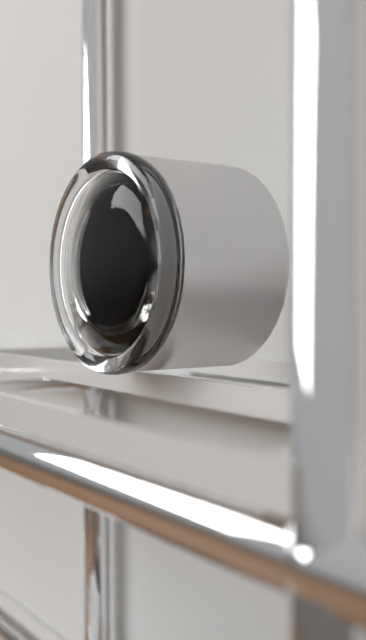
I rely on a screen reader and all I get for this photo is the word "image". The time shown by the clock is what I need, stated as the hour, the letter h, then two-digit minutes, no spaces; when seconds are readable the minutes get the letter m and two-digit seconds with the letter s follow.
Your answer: 11h25m11s
